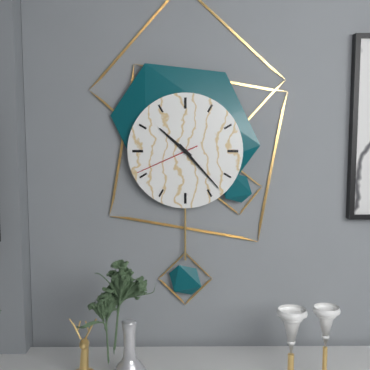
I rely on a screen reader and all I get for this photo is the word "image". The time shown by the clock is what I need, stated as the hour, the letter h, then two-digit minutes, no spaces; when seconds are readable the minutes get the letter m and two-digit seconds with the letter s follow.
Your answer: 10h23m41s
